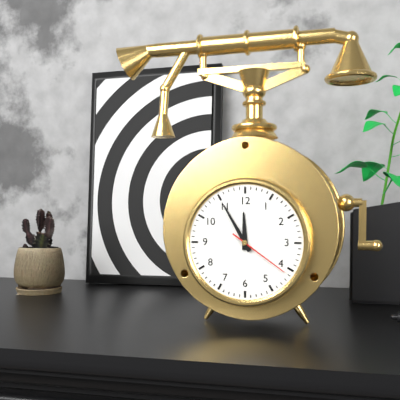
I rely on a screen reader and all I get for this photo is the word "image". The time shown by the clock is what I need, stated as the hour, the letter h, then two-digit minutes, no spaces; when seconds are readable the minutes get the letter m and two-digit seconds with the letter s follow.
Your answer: 11h55m21s
